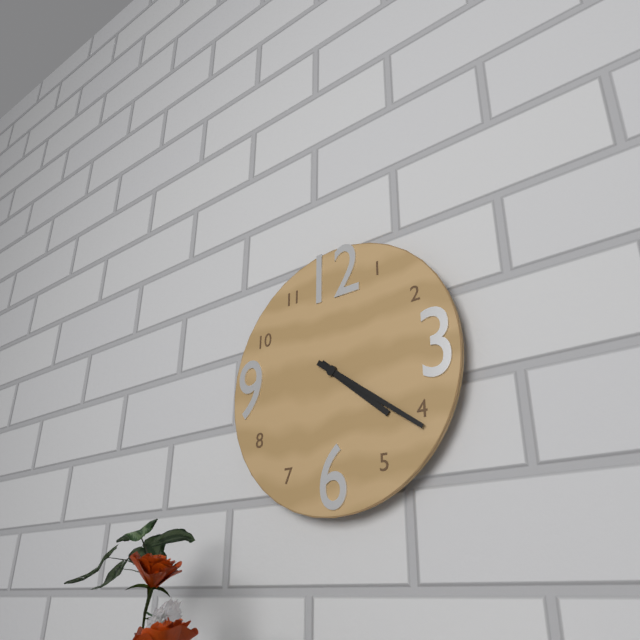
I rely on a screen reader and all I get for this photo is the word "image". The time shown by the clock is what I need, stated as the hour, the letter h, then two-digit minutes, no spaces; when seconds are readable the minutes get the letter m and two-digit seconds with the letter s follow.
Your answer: 4h21
